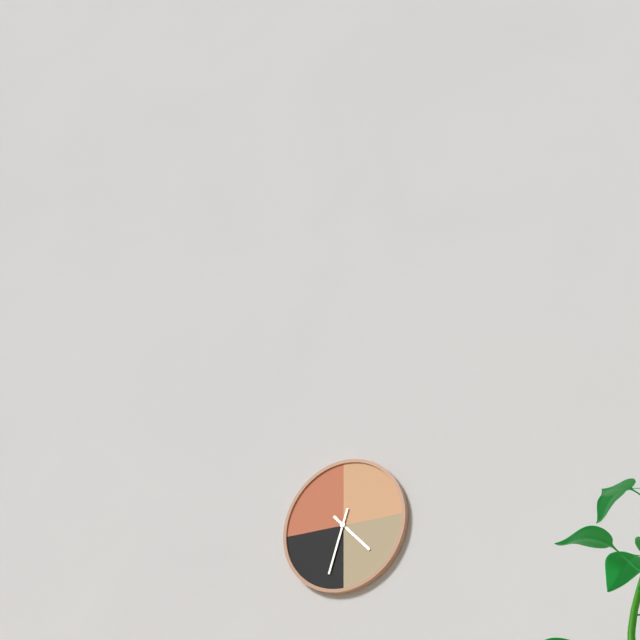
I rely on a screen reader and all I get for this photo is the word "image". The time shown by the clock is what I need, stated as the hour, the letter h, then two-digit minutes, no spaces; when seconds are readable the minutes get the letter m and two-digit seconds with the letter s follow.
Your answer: 4h33
